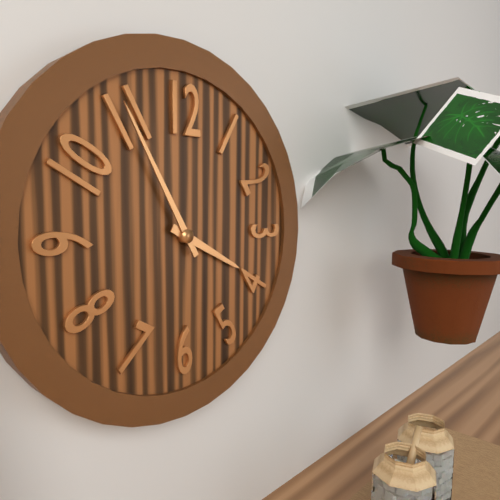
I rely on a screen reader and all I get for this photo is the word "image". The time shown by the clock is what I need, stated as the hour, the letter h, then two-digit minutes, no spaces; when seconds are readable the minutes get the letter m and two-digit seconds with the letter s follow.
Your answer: 3h55
